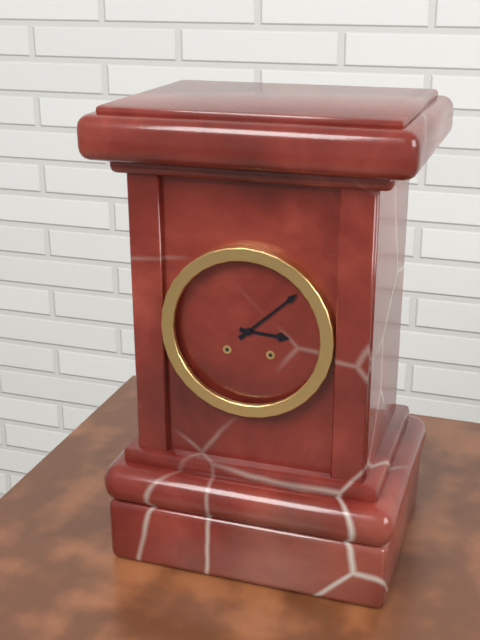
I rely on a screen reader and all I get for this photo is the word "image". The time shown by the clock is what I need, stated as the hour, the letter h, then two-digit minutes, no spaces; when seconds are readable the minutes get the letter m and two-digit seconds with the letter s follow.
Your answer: 3h08
